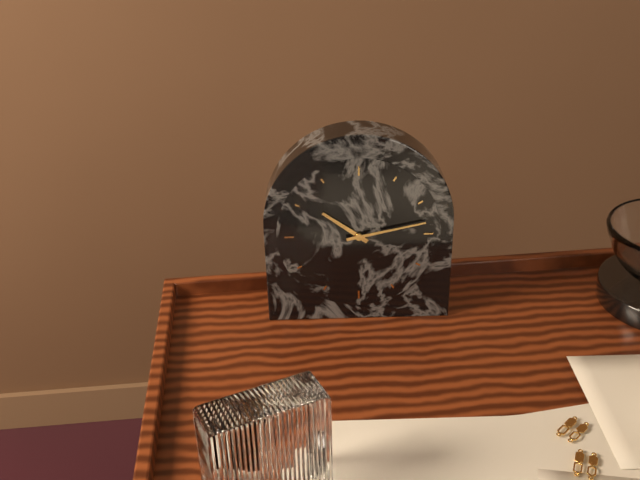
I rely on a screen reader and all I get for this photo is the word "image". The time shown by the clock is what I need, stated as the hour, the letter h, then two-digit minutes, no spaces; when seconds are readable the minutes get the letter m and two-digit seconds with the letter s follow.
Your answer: 10h13
